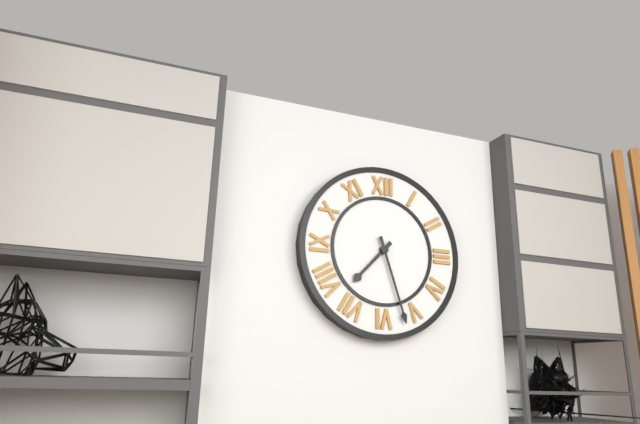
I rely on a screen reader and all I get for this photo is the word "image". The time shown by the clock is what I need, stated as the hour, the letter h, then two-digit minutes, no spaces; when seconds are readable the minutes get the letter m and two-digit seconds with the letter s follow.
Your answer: 7h27
